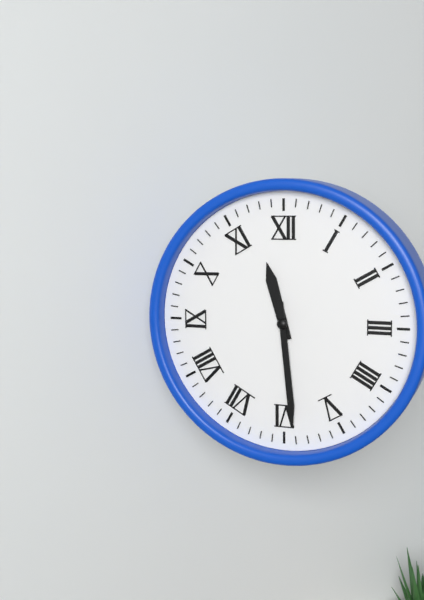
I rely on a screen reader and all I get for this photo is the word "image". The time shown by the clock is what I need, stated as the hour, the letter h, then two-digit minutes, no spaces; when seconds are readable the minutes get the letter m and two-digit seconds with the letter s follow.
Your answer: 11h29
